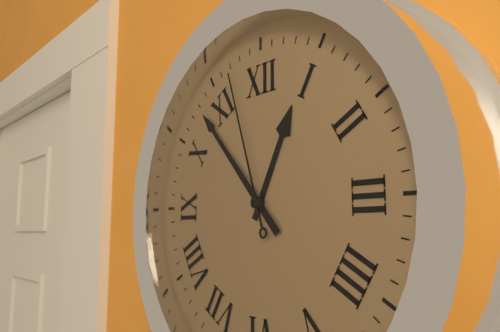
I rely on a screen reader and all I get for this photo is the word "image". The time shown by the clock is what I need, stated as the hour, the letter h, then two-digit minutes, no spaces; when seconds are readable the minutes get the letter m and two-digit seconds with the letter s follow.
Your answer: 12h53m57s
